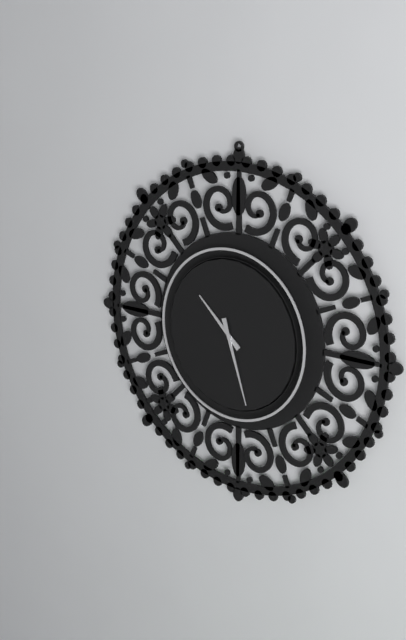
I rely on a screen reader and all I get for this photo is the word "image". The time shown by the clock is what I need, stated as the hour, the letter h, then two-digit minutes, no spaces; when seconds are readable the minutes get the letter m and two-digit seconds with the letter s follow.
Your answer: 10h27
